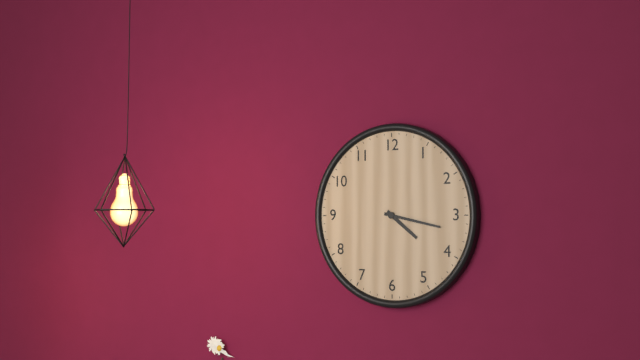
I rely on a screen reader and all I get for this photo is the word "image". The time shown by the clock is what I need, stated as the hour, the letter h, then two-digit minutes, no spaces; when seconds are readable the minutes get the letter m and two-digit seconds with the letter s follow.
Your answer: 4h17
